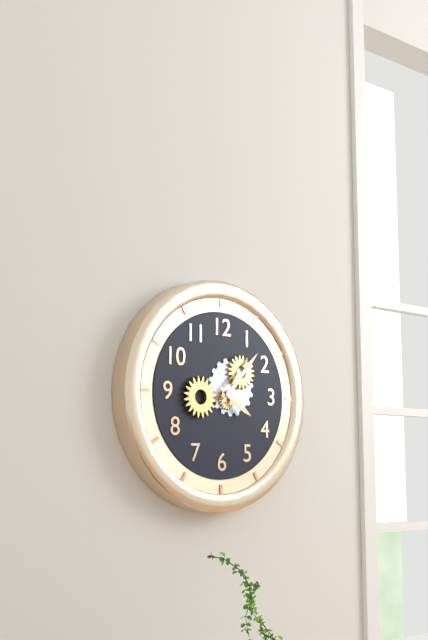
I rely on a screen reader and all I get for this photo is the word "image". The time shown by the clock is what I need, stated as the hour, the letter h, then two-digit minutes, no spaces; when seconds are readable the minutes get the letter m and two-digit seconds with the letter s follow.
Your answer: 4h07
